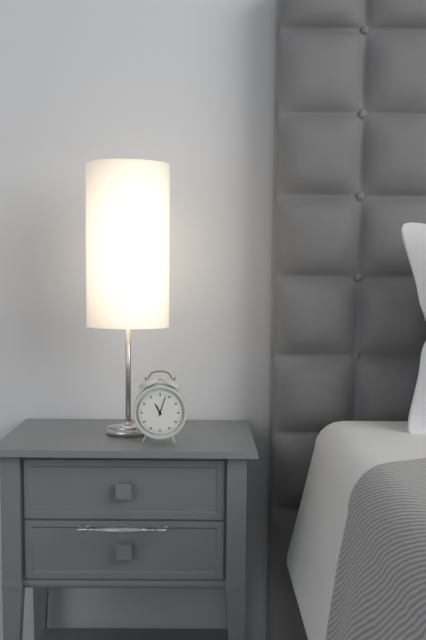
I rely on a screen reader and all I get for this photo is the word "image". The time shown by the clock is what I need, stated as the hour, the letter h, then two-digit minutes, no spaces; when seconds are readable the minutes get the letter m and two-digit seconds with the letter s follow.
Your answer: 11h03
